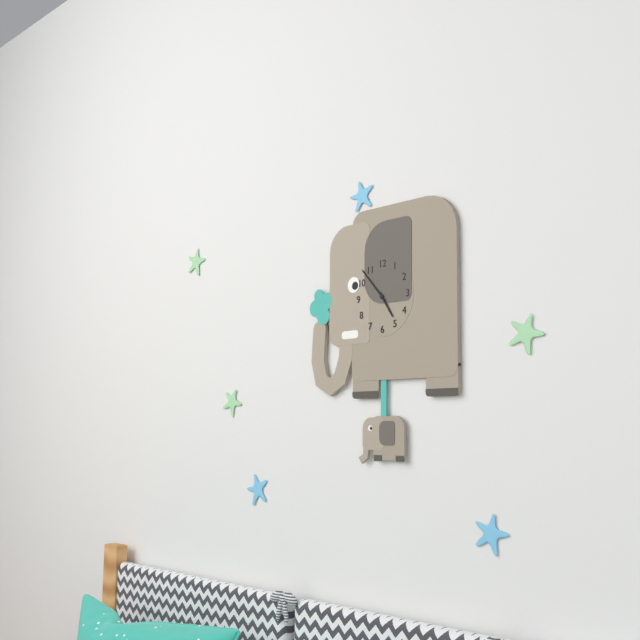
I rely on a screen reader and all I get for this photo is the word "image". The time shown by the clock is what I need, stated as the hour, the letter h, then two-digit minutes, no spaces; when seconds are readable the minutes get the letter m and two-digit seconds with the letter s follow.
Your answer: 4h53
